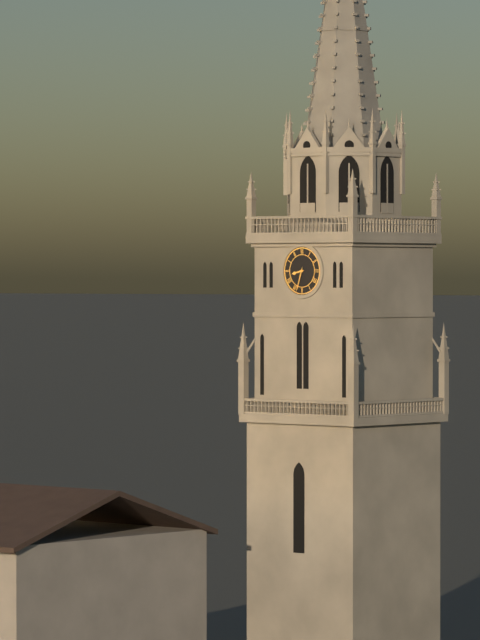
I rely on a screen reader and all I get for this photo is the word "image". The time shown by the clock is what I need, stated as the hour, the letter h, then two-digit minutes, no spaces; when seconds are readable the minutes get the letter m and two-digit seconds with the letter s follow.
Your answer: 8h33
